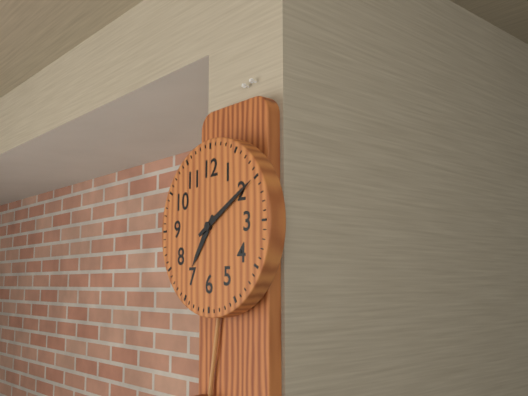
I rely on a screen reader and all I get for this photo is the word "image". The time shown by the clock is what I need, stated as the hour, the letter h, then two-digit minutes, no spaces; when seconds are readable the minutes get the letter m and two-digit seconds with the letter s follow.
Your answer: 7h10
